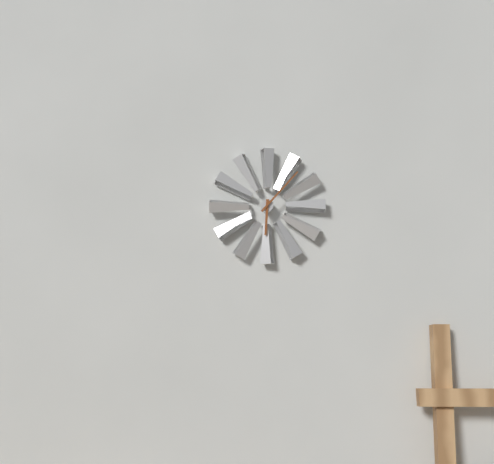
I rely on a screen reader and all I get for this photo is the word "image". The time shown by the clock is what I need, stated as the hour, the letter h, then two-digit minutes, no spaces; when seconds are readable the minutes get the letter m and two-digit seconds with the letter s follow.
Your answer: 6h07
